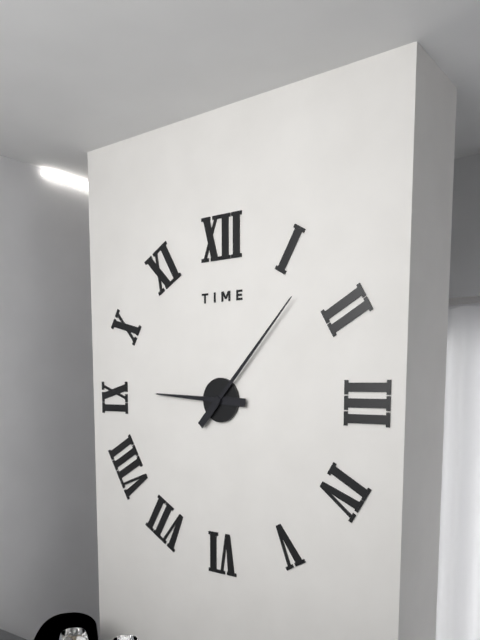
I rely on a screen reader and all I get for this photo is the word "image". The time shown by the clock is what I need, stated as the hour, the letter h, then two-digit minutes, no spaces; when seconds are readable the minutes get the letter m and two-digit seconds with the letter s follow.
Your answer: 9h07
